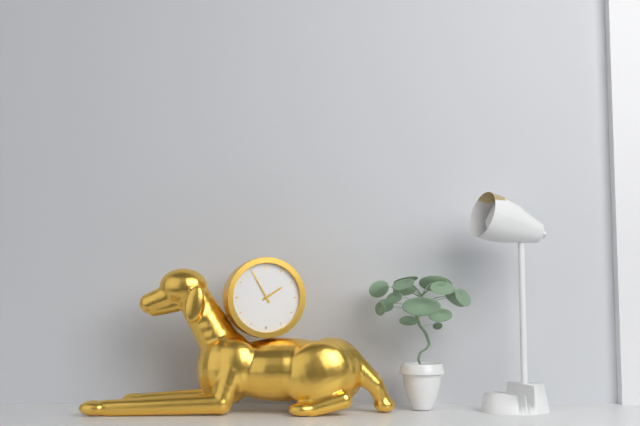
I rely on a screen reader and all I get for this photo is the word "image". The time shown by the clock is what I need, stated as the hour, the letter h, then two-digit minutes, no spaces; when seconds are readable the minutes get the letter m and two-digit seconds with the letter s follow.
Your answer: 1h55
